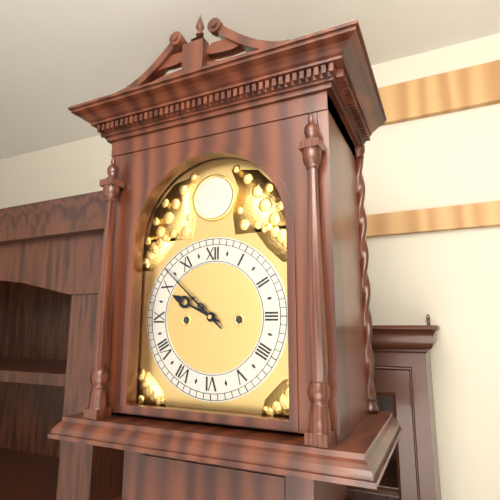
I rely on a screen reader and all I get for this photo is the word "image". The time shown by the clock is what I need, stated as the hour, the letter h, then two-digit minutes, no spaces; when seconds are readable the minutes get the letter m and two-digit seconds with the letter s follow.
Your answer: 9h52
